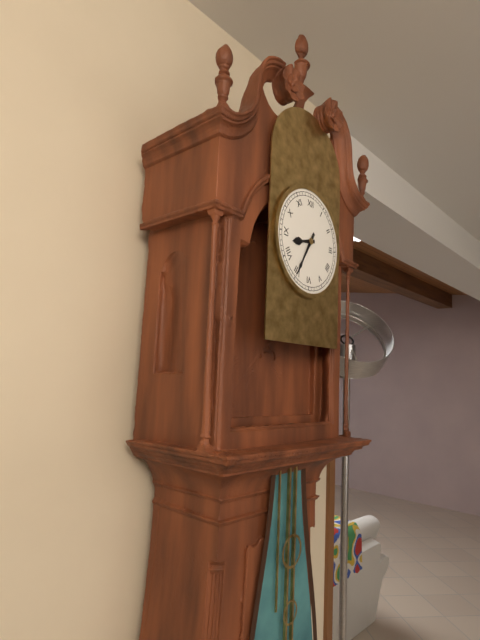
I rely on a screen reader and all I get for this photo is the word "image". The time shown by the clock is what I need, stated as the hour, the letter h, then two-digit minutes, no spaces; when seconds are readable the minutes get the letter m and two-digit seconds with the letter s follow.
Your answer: 8h35
